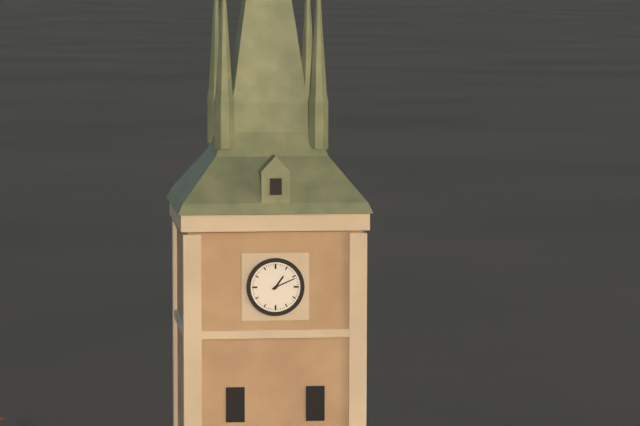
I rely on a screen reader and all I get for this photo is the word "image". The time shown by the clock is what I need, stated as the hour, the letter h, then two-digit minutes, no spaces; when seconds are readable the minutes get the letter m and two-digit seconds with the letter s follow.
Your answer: 1h11
